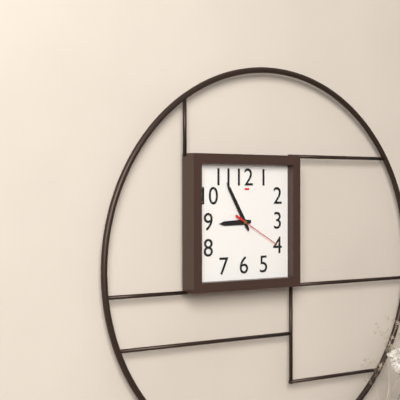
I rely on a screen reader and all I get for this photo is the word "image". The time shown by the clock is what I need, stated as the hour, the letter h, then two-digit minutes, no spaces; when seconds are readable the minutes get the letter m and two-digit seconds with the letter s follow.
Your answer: 8h55m20s
